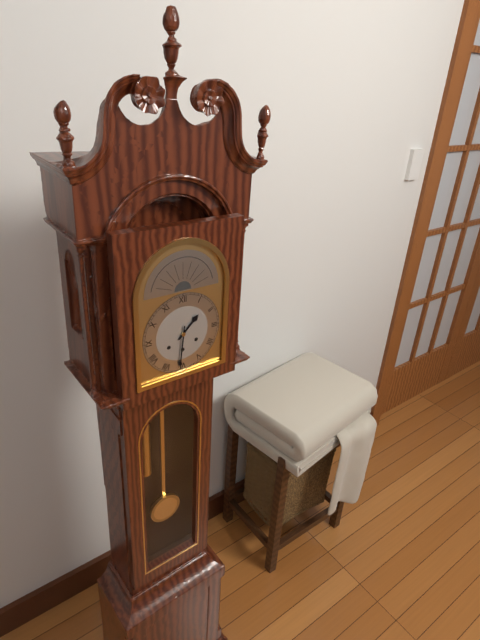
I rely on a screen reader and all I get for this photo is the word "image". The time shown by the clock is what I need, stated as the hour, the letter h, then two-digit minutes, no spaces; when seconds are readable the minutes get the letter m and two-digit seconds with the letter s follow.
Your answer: 1h31
